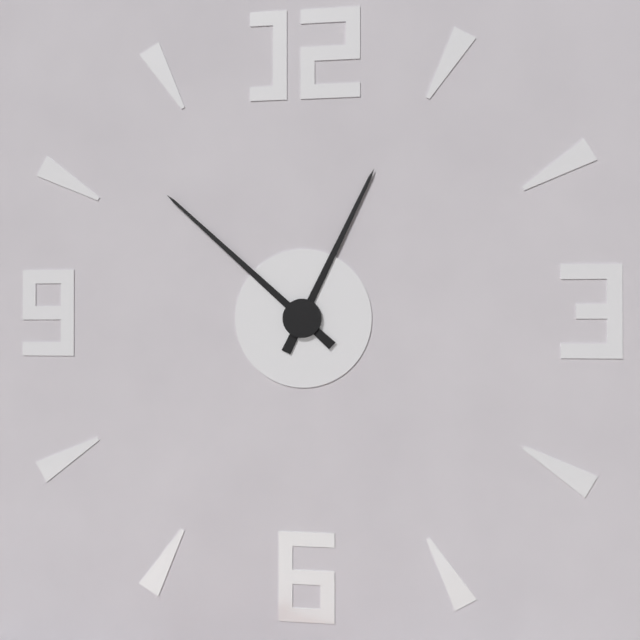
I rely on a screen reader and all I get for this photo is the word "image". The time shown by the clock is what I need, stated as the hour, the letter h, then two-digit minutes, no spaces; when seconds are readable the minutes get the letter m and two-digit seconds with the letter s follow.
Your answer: 12h52
